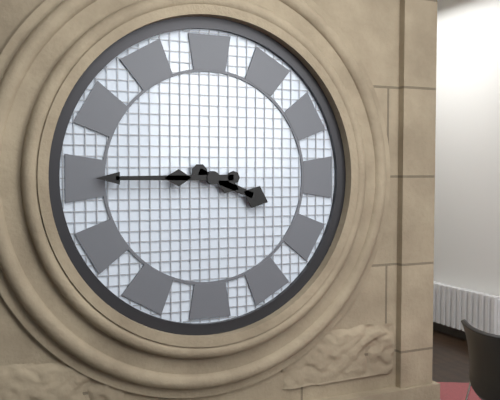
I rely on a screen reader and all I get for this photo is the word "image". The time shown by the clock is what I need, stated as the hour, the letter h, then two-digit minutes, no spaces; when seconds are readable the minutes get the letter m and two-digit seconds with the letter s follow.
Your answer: 3h45
